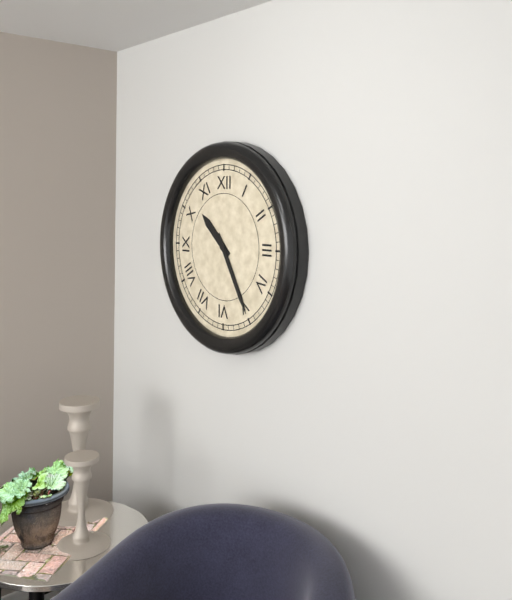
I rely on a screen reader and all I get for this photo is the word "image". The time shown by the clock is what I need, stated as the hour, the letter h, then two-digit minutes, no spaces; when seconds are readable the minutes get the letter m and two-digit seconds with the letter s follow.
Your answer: 10h25
